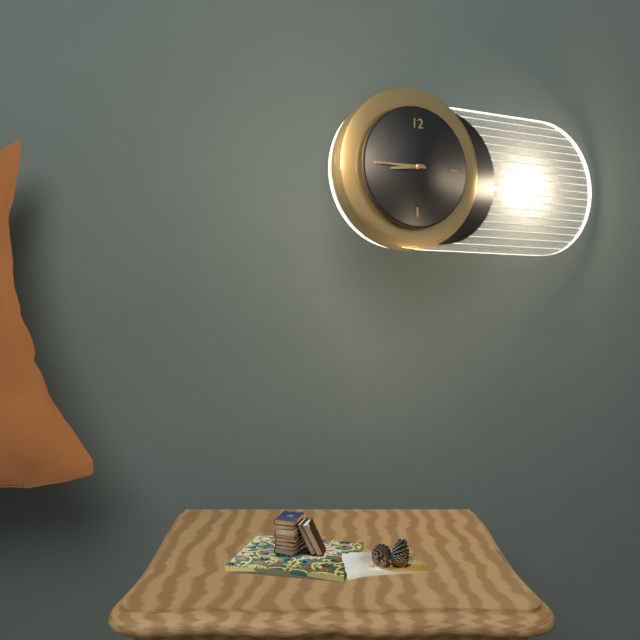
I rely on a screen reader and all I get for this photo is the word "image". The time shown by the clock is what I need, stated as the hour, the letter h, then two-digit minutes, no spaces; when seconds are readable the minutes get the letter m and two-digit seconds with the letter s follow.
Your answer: 8h45
